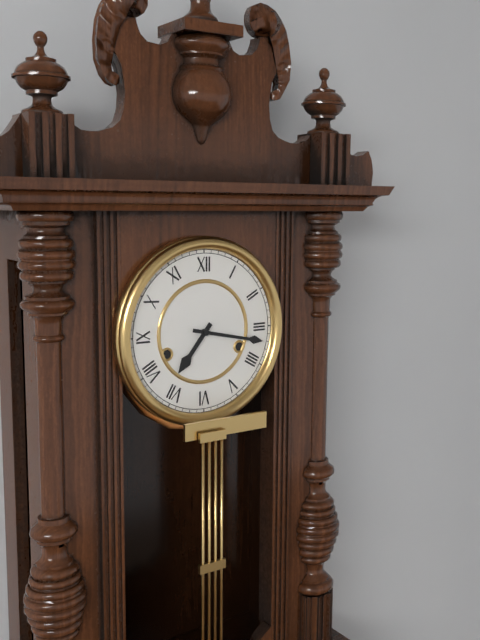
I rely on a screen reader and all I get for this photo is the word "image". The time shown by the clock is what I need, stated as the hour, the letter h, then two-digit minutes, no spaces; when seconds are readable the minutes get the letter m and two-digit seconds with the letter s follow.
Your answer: 7h17
